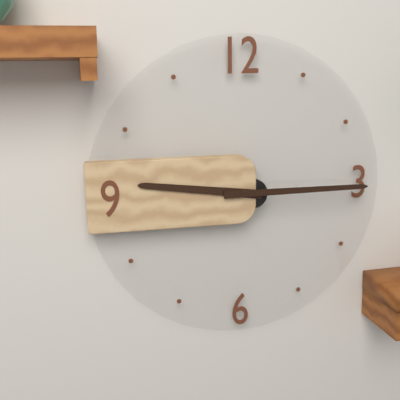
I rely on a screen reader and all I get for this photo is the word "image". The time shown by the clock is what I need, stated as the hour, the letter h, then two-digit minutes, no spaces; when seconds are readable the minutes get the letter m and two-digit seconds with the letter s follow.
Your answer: 9h15
